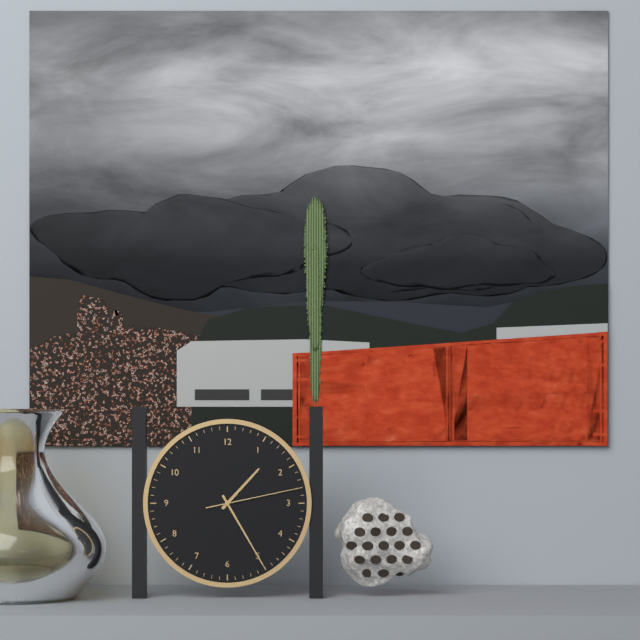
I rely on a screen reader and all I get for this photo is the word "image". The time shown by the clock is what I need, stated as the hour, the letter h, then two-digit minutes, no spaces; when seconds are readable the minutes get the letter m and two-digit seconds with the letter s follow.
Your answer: 1h25m13s
